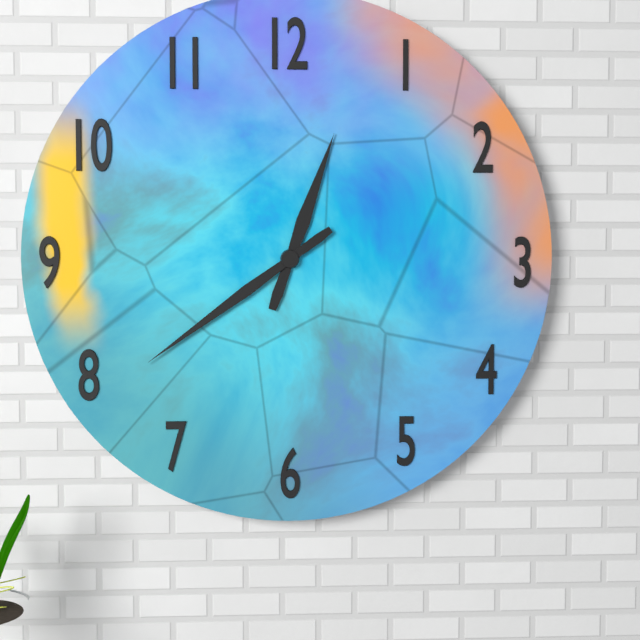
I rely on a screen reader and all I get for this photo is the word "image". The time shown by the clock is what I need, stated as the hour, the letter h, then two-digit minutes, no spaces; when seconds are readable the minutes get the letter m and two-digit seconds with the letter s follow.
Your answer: 12h39
